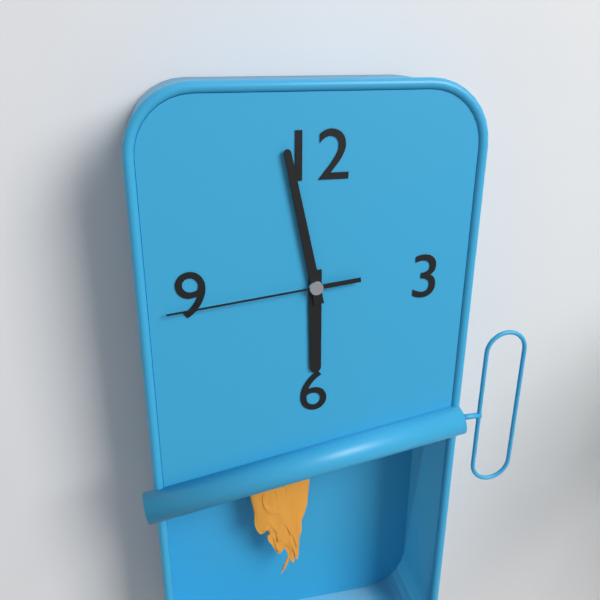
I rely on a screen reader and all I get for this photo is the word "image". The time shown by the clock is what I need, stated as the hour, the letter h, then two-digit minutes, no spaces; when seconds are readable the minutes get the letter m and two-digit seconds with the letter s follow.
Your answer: 5h58m44s
